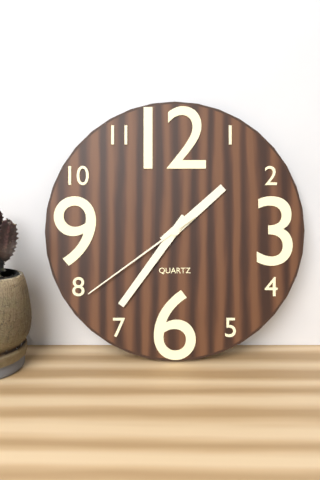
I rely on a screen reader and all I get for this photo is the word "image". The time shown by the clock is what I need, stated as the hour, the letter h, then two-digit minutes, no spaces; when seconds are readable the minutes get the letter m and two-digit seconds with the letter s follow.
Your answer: 1h36m39s
